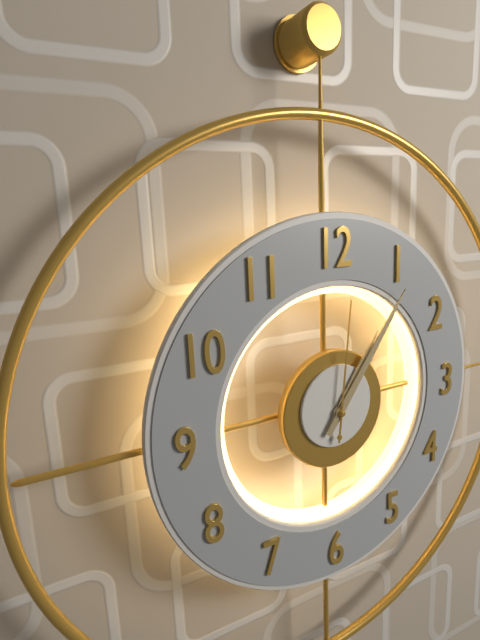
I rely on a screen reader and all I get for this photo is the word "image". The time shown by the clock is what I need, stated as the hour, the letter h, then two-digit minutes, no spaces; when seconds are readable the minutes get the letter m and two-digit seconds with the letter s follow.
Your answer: 1h06m01s
